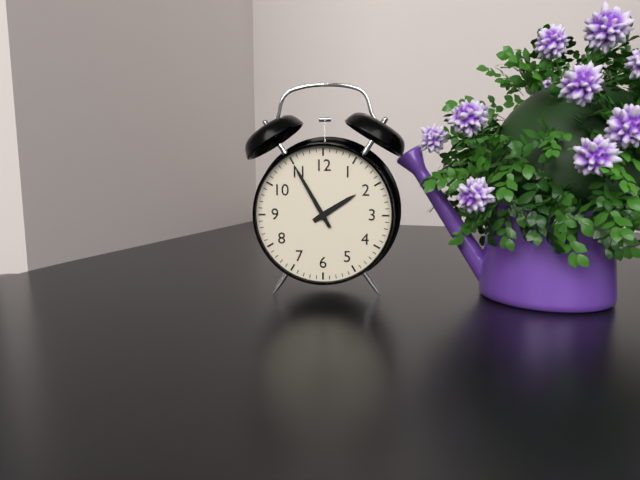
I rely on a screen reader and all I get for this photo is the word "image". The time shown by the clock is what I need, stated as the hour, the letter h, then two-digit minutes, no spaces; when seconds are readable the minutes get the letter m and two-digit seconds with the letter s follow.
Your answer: 1h55
